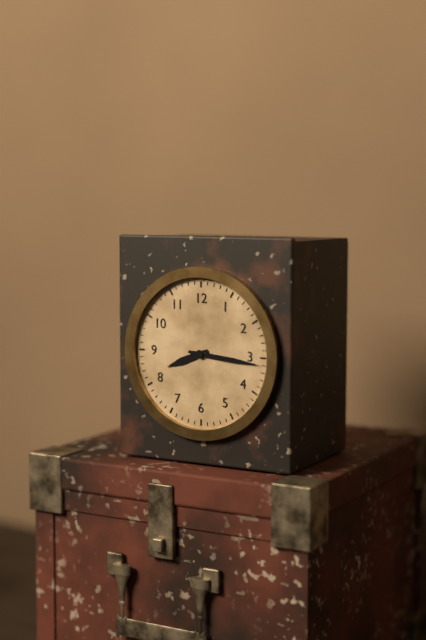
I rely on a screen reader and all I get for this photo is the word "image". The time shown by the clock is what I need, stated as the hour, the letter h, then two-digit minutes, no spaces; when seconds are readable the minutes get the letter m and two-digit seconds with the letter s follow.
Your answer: 8h16
